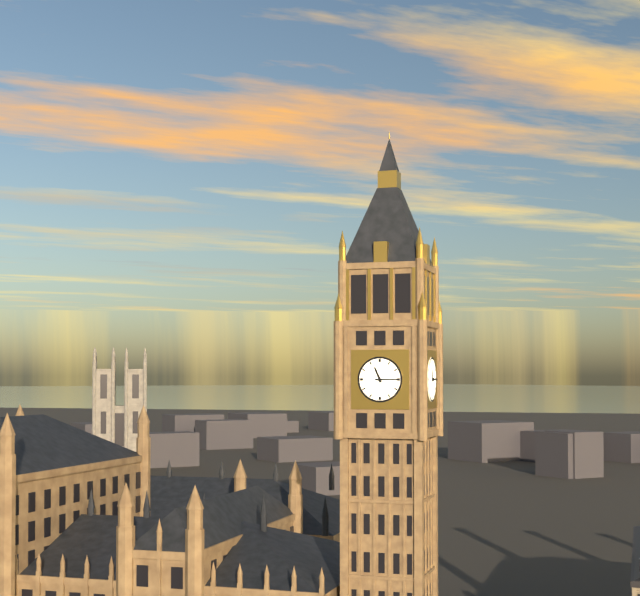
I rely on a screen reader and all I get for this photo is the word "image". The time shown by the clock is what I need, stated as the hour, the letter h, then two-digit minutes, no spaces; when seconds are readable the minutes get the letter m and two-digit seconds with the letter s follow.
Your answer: 11h15
